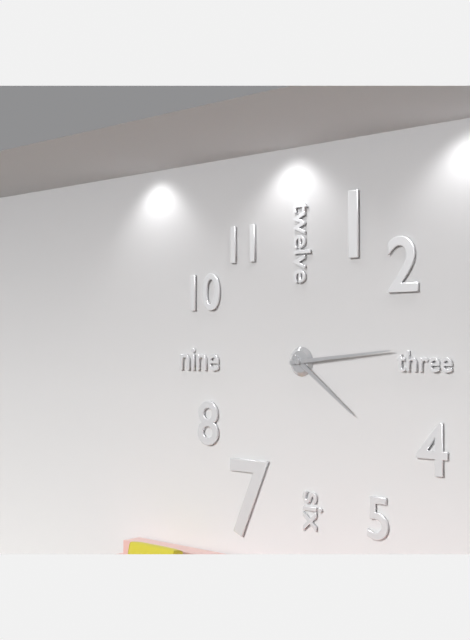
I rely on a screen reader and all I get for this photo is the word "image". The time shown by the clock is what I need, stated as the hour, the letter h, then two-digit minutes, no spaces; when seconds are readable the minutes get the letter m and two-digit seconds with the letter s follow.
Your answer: 4h14
